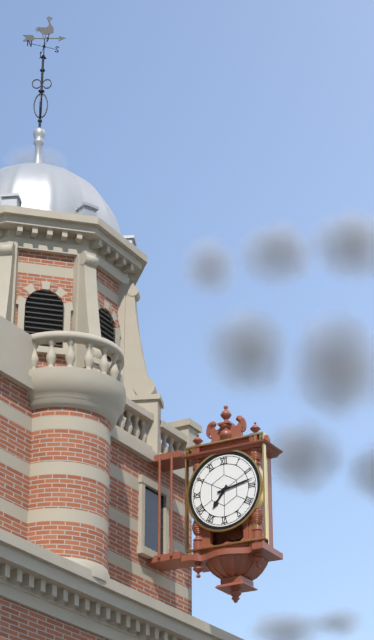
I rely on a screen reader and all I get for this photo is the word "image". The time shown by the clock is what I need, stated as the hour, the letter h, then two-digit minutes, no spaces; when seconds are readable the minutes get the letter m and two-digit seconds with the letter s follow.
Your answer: 7h13
